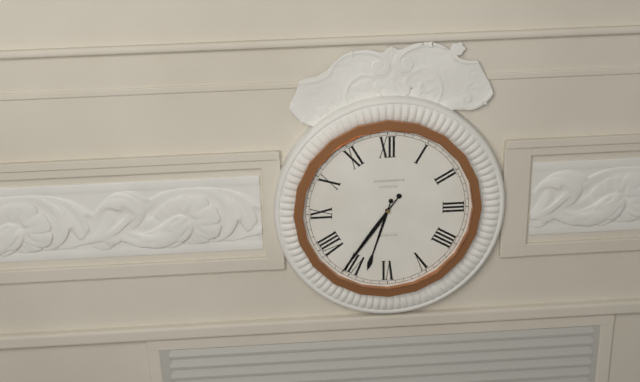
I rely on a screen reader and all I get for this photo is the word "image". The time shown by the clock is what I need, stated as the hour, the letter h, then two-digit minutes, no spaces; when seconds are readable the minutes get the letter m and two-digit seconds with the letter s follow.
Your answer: 6h36
